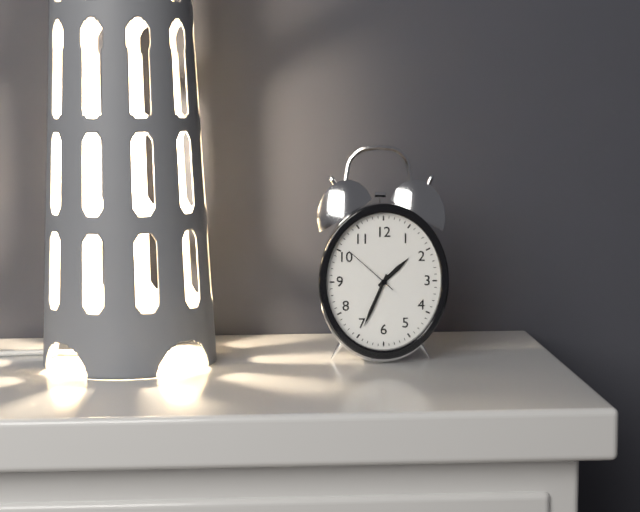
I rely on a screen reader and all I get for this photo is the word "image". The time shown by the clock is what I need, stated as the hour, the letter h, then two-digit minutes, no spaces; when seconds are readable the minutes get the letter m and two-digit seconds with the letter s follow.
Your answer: 1h34m52s
